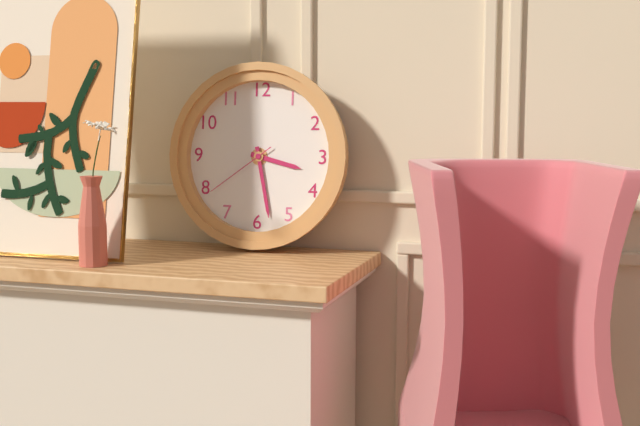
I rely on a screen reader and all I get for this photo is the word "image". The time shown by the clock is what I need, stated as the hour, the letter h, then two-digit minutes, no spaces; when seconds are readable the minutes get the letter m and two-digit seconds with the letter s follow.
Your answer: 3h28m39s
